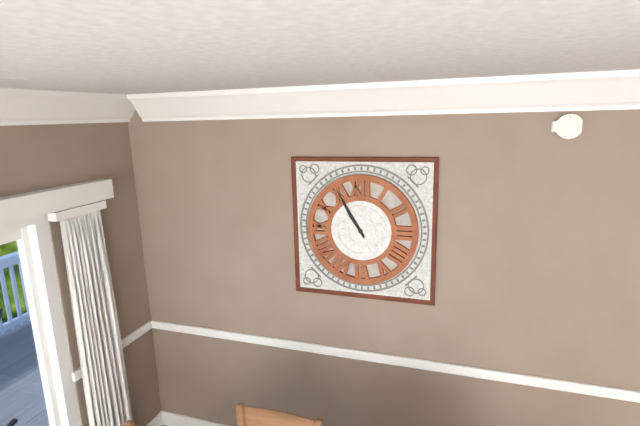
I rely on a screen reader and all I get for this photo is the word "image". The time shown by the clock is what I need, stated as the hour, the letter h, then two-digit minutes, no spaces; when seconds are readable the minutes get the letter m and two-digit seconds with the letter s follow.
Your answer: 10h55
